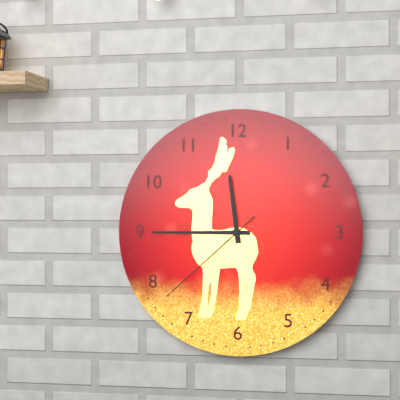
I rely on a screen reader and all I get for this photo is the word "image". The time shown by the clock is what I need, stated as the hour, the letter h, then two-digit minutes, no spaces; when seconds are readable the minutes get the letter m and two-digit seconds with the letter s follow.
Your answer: 11h45m38s
